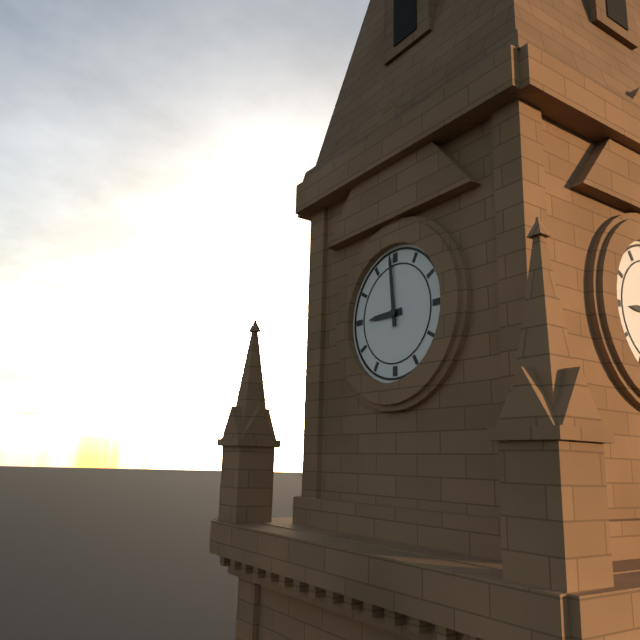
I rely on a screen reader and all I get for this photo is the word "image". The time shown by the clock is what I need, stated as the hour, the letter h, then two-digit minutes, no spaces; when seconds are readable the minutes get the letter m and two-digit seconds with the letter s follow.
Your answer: 8h59
